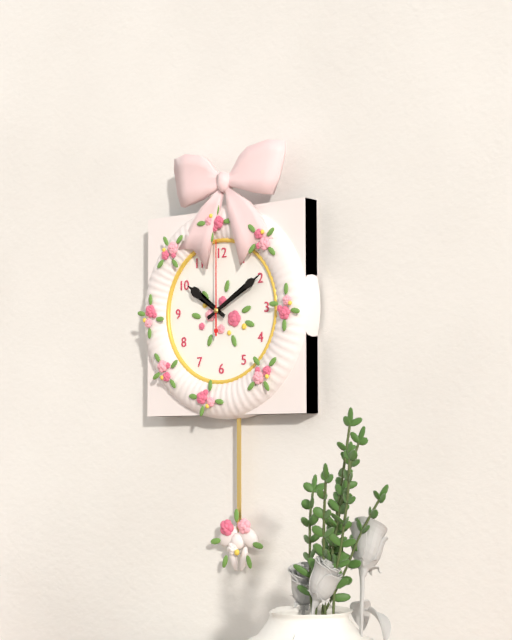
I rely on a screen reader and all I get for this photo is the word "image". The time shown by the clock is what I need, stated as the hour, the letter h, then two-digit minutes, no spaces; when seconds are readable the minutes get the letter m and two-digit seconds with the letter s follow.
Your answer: 10h10m00s
